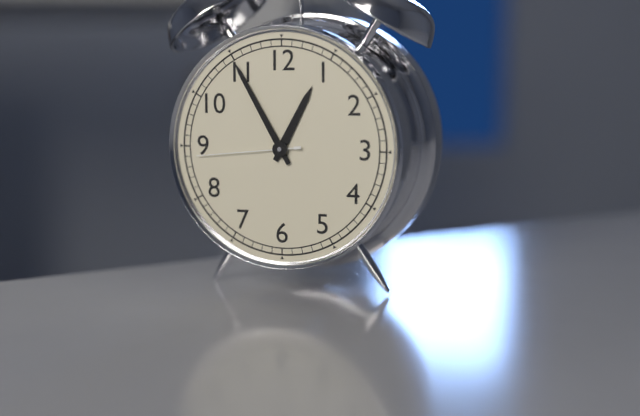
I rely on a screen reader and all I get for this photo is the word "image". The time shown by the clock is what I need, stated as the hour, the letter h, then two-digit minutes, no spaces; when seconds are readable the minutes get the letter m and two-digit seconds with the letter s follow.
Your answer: 12h55m44s
